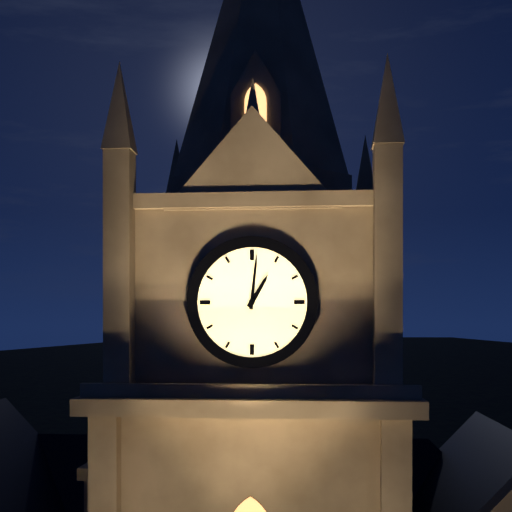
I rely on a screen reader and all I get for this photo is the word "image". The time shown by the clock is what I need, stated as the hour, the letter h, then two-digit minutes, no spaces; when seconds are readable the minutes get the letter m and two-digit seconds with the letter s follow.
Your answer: 1h01
